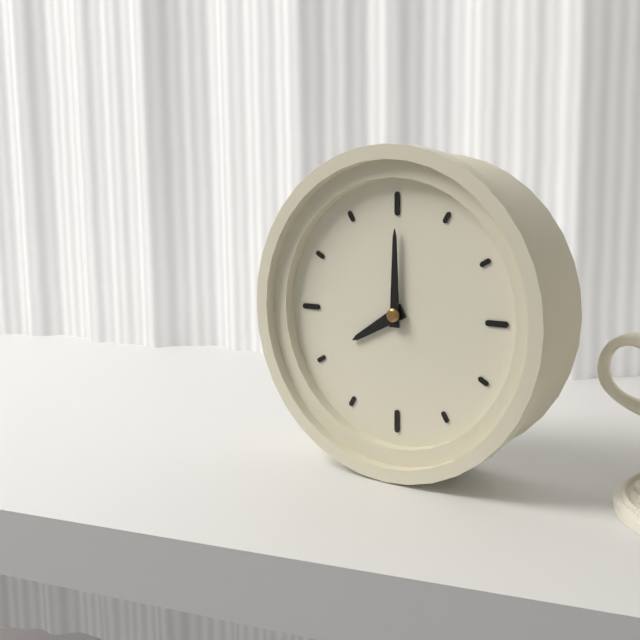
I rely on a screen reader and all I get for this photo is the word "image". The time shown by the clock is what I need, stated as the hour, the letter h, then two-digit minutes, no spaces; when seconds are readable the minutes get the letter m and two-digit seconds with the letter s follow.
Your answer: 8h00
